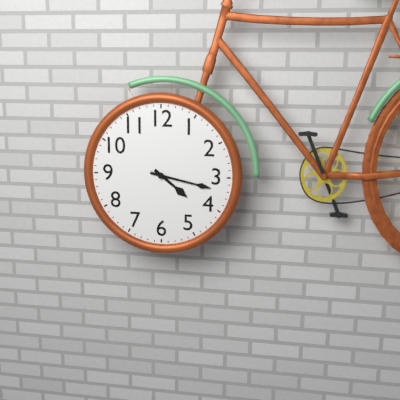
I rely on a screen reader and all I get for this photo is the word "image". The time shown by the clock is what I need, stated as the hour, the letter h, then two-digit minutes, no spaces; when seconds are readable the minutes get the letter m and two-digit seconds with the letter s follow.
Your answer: 4h17
